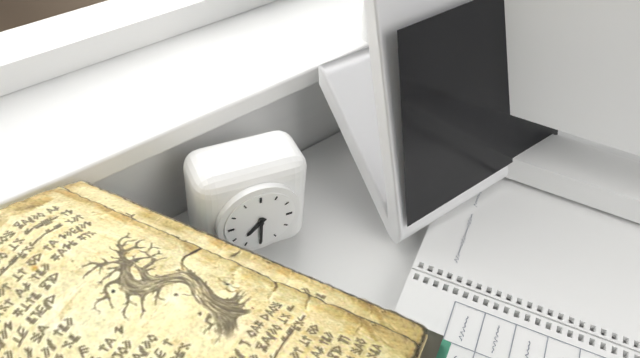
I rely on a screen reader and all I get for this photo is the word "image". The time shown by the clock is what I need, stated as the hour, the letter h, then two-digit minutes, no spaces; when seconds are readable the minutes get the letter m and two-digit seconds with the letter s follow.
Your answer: 7h30
